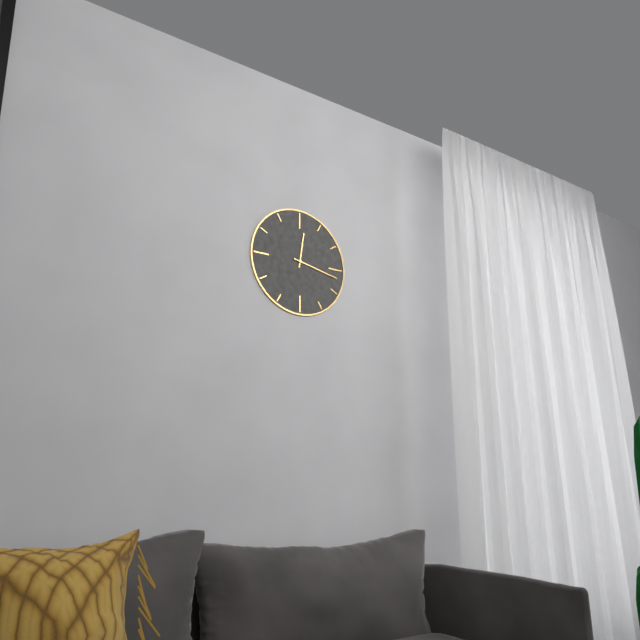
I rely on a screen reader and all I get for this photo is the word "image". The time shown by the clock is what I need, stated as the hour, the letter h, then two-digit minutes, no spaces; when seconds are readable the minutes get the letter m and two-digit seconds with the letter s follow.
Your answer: 12h17
